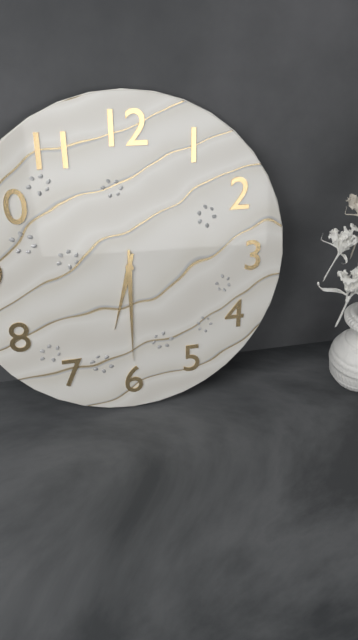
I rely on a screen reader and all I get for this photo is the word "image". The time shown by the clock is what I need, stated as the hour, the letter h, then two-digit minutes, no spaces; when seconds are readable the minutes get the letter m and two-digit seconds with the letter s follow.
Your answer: 6h30
